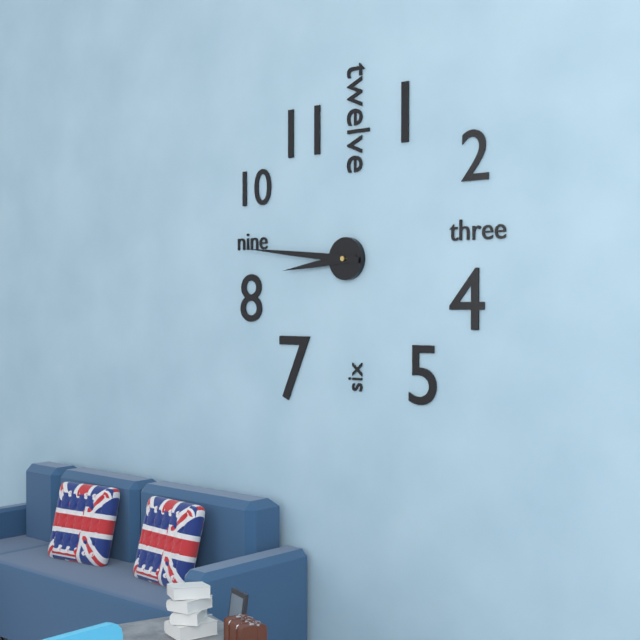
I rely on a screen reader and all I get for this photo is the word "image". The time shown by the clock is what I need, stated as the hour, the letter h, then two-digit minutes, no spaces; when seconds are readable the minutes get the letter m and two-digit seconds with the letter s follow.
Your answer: 8h46
